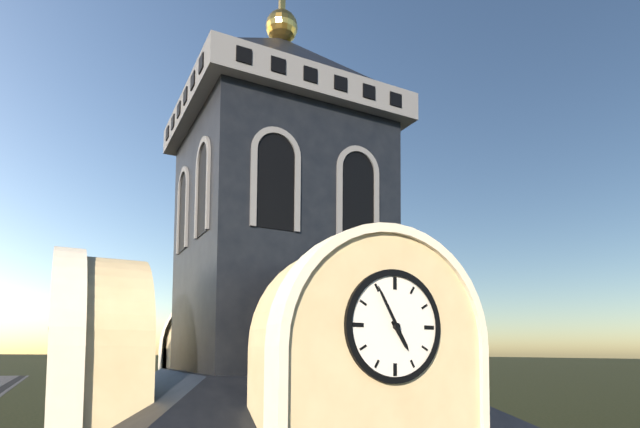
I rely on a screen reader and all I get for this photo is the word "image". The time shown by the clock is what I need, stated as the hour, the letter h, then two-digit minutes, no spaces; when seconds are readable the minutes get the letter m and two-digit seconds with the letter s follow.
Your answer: 4h55
